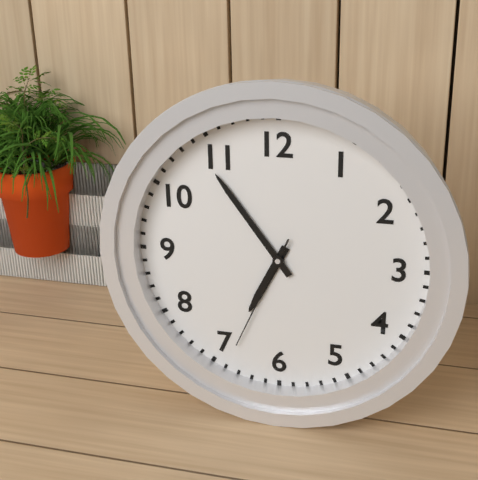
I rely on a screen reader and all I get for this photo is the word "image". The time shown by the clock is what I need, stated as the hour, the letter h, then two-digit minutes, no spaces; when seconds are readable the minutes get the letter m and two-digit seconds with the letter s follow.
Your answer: 6h54m34s
